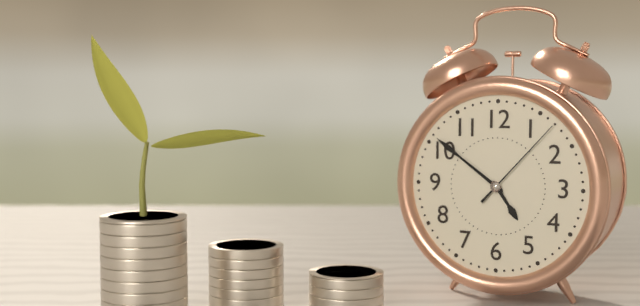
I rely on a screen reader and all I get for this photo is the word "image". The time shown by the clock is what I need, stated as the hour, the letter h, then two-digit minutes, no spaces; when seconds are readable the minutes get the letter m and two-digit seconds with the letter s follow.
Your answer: 4h51m07s
